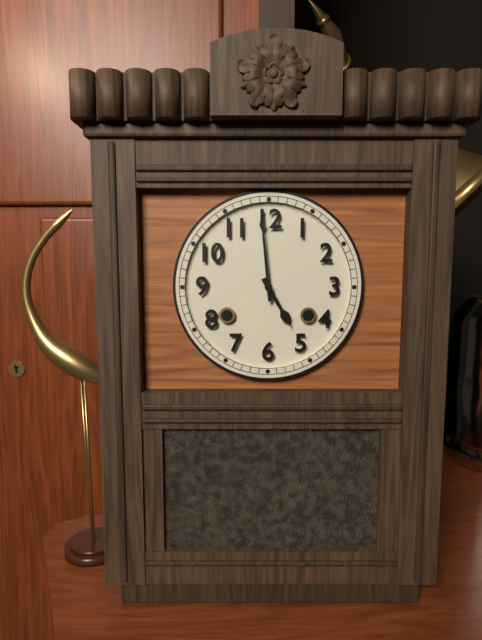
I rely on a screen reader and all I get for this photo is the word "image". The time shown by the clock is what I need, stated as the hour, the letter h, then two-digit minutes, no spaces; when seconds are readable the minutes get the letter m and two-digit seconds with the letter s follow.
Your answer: 4h59
